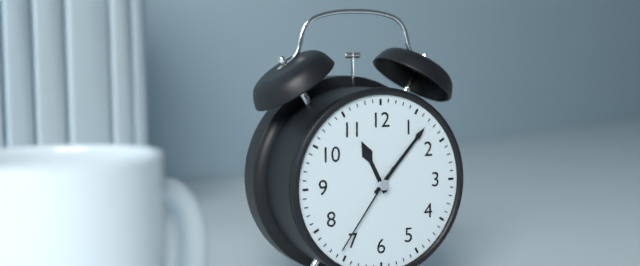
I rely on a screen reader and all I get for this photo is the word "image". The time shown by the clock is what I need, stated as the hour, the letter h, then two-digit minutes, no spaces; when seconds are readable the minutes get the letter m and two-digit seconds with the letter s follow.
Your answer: 11h07m36s
